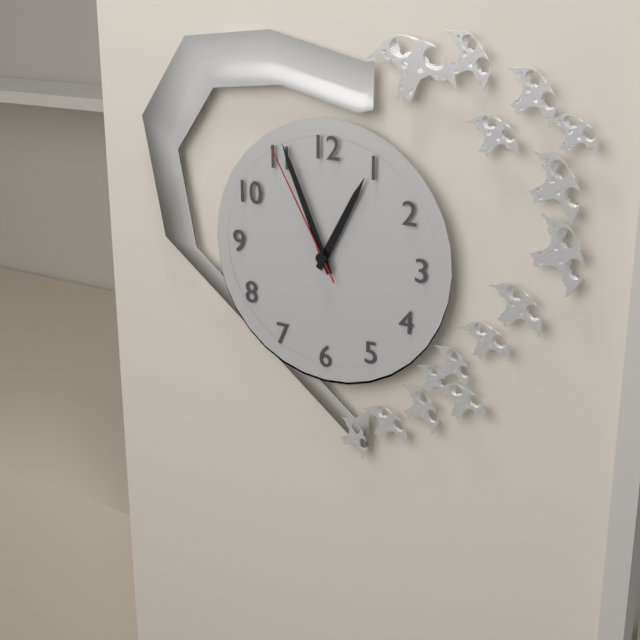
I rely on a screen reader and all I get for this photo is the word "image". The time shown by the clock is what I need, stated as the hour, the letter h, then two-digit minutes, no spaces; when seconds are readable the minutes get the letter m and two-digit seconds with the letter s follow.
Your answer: 12h56m55s
